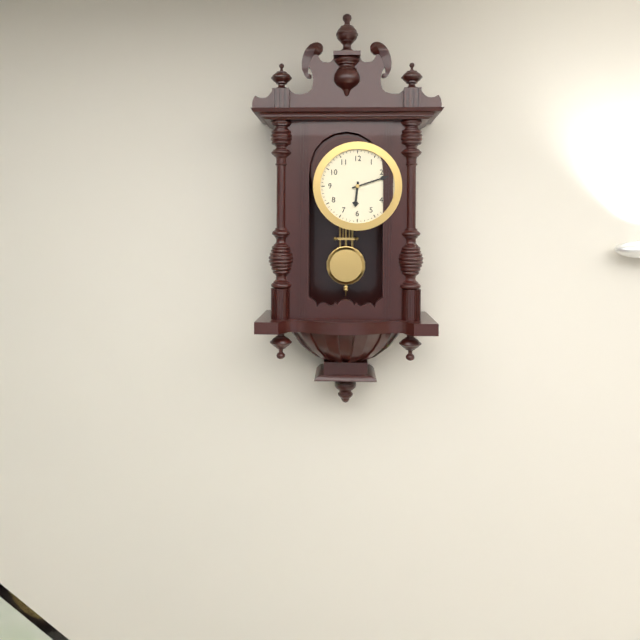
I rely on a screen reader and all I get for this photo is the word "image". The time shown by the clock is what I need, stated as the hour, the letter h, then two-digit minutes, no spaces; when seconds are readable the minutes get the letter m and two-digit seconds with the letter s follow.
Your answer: 6h12
